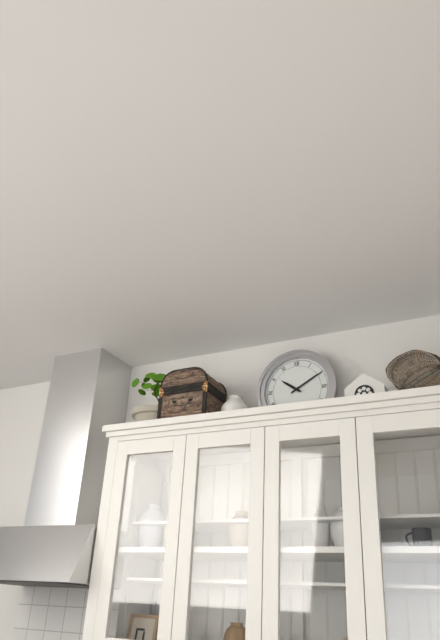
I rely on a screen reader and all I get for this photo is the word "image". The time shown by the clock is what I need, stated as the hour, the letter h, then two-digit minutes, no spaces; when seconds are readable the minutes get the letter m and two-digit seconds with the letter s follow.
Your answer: 10h10
